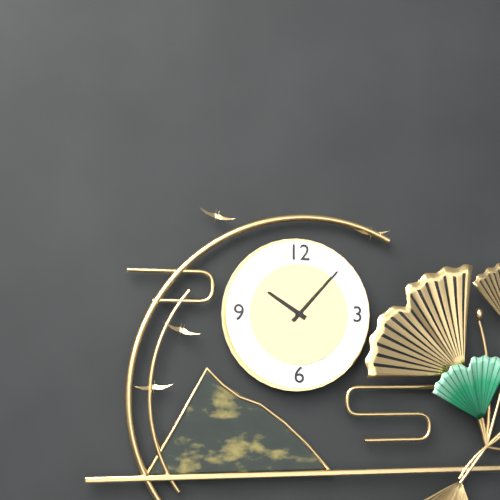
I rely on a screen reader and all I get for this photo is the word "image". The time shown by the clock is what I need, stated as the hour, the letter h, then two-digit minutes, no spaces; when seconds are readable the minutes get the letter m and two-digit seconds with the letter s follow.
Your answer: 10h07
